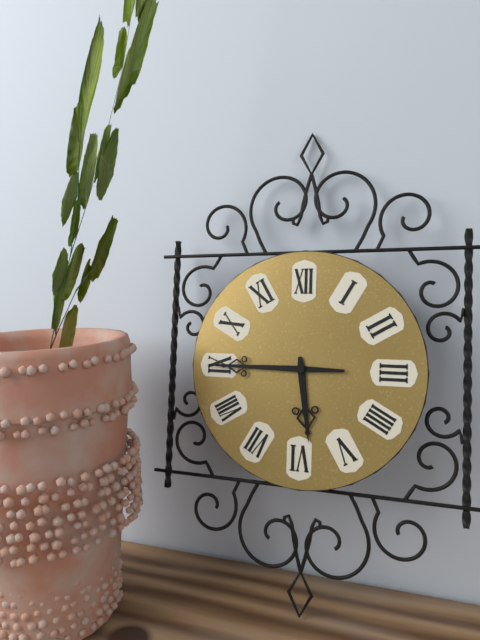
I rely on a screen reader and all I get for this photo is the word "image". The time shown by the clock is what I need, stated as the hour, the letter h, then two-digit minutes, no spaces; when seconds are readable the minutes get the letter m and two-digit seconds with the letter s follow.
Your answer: 5h45
